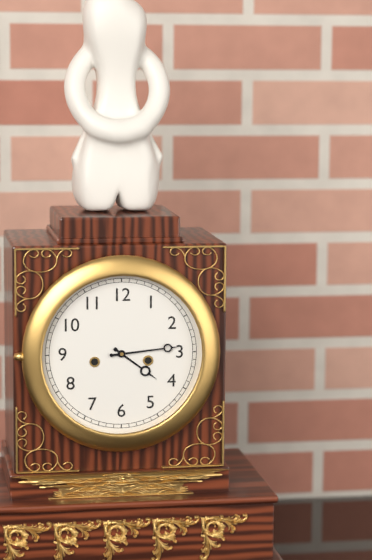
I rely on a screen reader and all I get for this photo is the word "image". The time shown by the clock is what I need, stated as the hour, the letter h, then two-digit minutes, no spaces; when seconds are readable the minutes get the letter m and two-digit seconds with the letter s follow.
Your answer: 4h14
